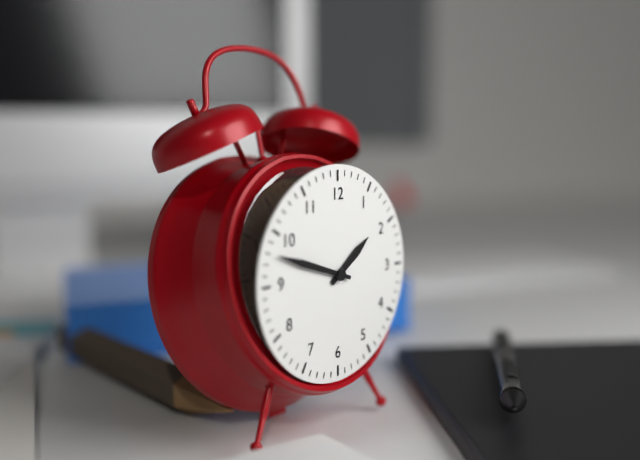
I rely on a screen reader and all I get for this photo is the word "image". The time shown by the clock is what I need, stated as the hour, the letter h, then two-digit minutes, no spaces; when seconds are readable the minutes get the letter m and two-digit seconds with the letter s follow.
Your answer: 1h48
